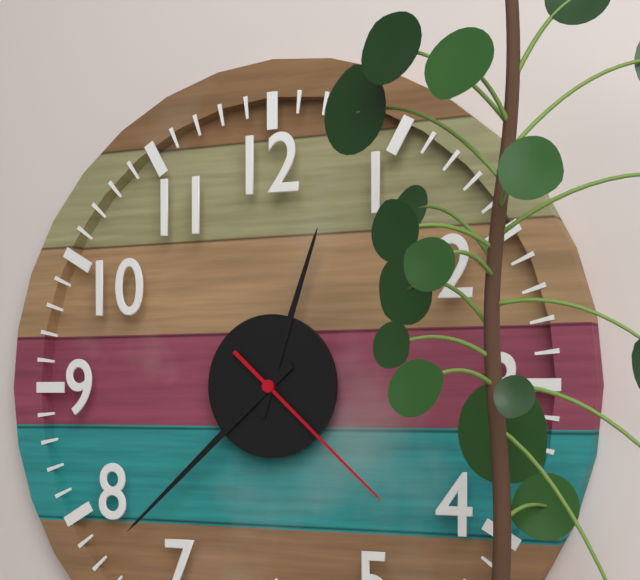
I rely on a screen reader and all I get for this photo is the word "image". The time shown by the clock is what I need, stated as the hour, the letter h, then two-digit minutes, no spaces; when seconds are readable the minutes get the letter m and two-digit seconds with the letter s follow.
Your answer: 12h38m22s
